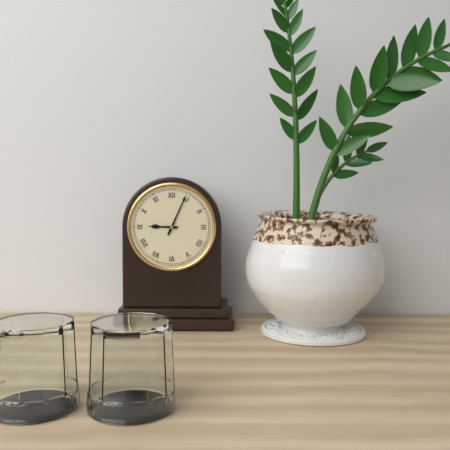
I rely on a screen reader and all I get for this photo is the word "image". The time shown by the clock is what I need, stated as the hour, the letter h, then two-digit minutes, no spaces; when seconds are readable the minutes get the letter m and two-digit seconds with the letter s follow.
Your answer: 9h04
